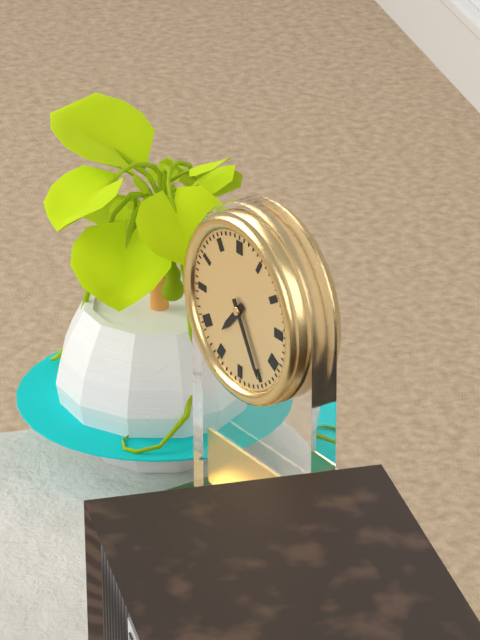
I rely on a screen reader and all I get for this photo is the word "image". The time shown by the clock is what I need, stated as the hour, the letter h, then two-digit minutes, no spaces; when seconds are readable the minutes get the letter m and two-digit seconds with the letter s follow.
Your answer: 7h25
